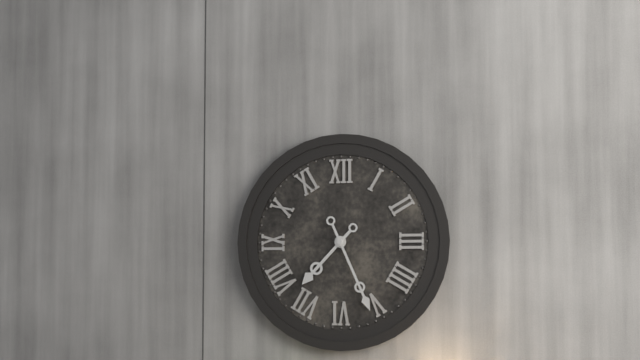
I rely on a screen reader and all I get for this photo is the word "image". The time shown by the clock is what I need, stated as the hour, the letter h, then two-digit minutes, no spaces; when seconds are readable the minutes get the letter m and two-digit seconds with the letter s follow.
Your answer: 7h26
